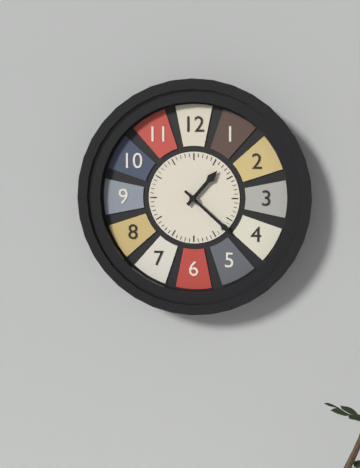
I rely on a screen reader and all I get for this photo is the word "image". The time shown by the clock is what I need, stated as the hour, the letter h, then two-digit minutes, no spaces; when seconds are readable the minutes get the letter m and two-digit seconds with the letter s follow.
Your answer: 1h22
